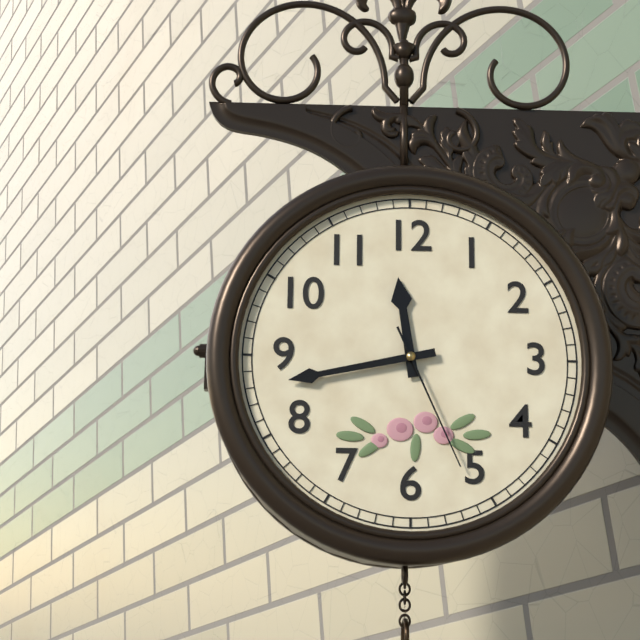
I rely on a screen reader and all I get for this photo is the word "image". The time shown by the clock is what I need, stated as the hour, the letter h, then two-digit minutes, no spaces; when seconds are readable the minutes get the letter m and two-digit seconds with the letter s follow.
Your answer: 11h43m26s
